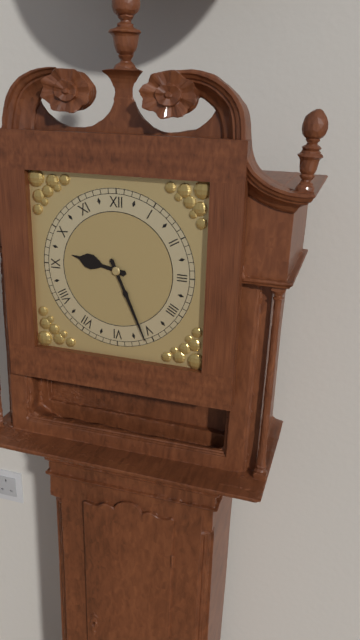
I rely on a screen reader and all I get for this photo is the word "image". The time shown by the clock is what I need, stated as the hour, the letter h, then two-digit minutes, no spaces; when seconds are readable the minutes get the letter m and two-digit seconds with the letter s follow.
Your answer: 9h26
